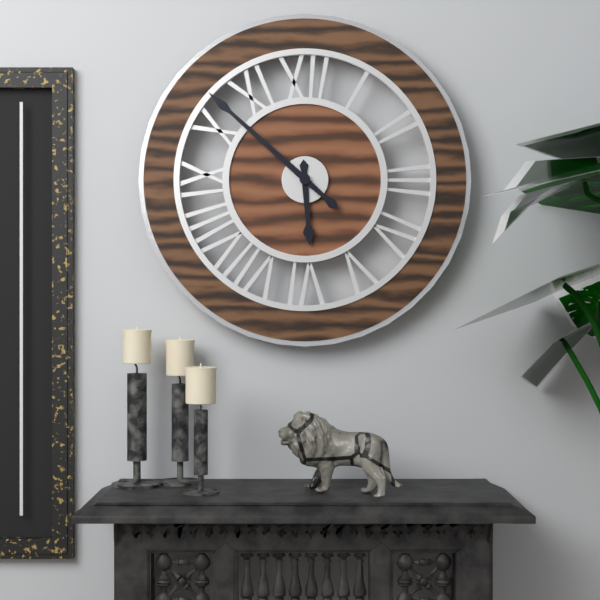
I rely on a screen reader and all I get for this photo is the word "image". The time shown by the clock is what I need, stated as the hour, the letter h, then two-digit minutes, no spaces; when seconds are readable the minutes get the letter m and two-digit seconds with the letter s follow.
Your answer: 5h52
